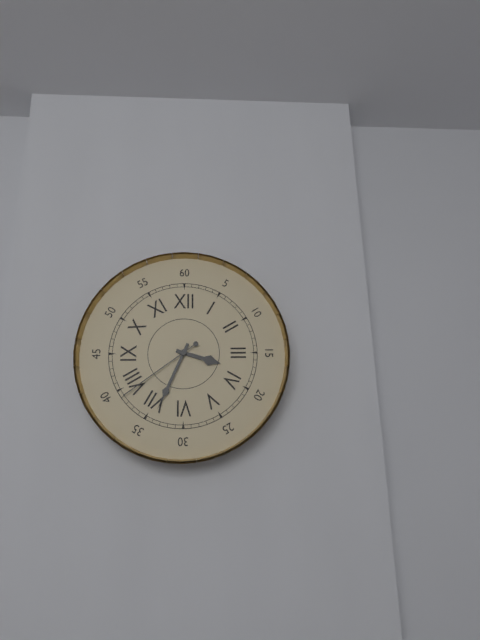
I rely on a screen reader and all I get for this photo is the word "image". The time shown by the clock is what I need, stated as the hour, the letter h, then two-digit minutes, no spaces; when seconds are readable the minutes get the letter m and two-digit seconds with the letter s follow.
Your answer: 3h34m39s
